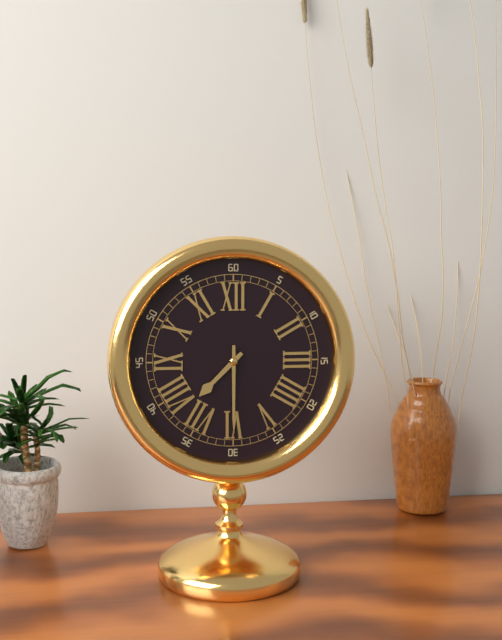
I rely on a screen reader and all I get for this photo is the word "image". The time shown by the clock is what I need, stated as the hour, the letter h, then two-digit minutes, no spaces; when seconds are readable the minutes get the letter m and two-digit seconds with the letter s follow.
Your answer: 7h30
